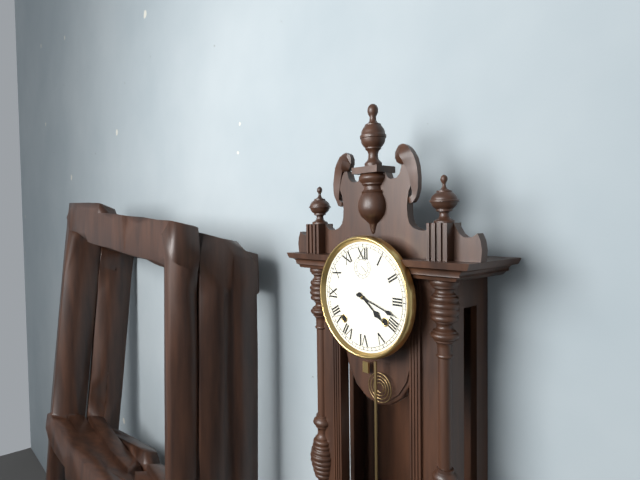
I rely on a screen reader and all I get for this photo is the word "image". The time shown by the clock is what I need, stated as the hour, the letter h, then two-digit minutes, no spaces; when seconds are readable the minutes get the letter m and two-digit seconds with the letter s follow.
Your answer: 4h18
